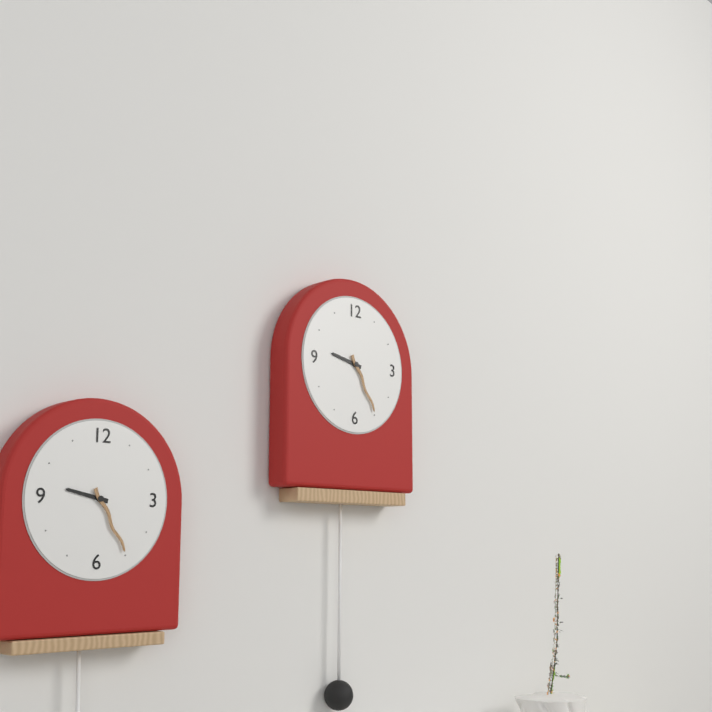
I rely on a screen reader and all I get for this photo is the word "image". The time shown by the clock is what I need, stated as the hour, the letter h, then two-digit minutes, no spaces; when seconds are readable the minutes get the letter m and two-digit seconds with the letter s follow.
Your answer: 9h25
